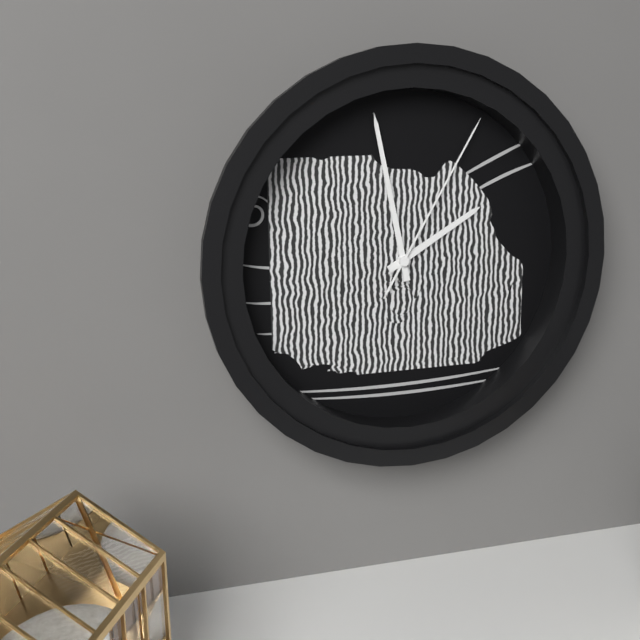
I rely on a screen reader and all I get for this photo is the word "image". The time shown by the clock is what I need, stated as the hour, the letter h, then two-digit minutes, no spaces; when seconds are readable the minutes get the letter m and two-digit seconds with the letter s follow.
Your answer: 1h58m05s
